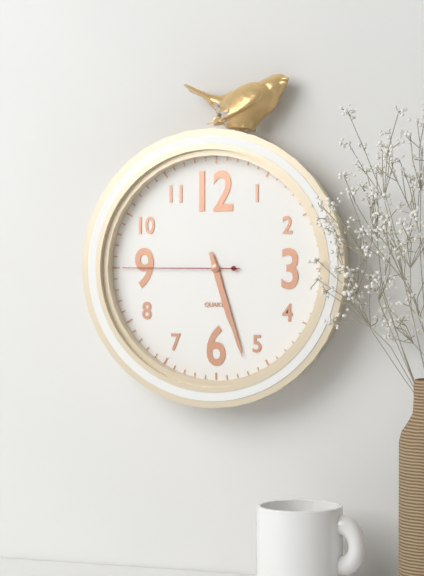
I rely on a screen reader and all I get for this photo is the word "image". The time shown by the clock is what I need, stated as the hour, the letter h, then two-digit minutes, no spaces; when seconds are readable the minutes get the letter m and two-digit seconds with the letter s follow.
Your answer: 5h27m45s
